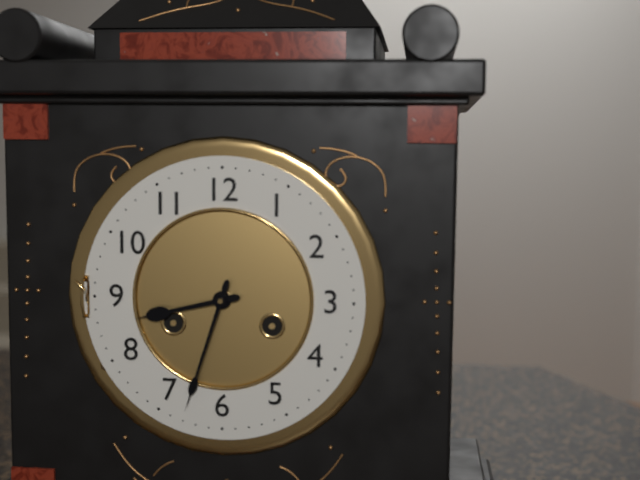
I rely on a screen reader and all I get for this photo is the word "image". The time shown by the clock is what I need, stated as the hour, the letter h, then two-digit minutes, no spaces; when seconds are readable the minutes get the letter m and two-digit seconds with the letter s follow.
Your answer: 8h33
